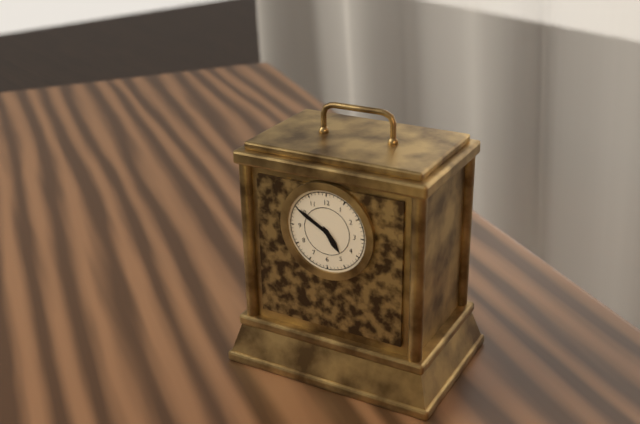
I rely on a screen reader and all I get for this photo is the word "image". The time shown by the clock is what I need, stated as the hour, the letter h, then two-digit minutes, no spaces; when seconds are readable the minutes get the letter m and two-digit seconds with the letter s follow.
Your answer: 4h50
